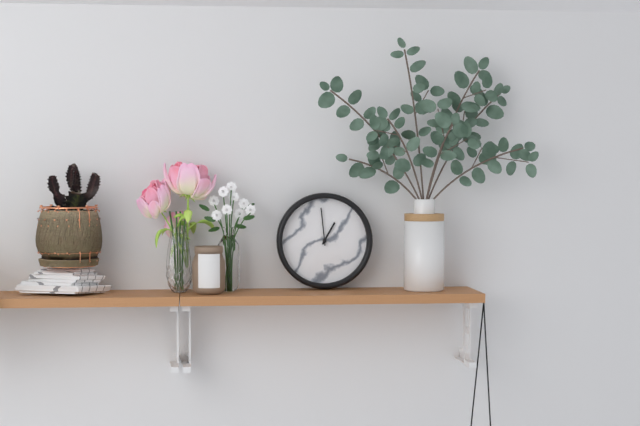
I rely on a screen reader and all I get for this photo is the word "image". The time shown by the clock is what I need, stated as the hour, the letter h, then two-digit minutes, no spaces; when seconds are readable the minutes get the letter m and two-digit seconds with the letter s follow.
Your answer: 12h59
